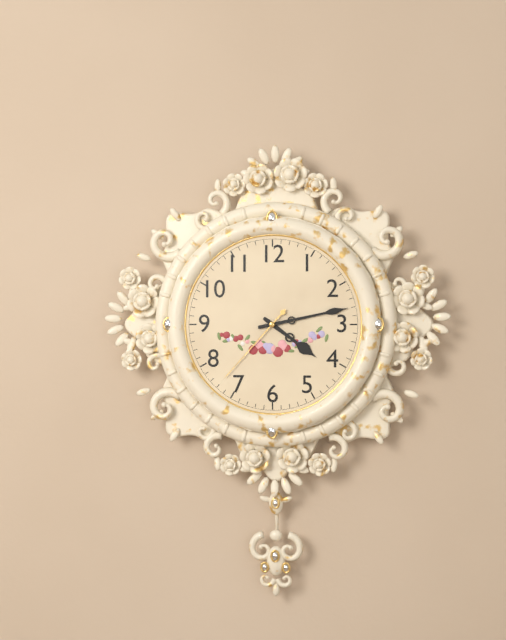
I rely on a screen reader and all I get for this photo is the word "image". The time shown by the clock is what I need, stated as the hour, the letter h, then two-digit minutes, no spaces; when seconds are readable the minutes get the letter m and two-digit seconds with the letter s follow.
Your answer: 4h13m37s
